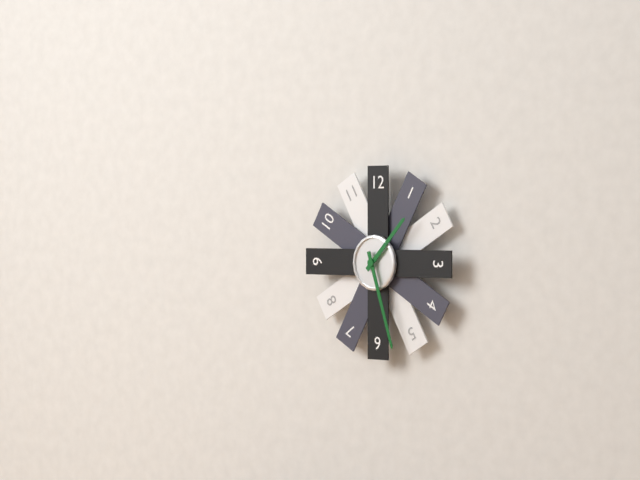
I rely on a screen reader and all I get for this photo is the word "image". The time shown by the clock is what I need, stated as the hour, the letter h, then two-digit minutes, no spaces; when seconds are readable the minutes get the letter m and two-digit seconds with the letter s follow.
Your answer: 1h27
